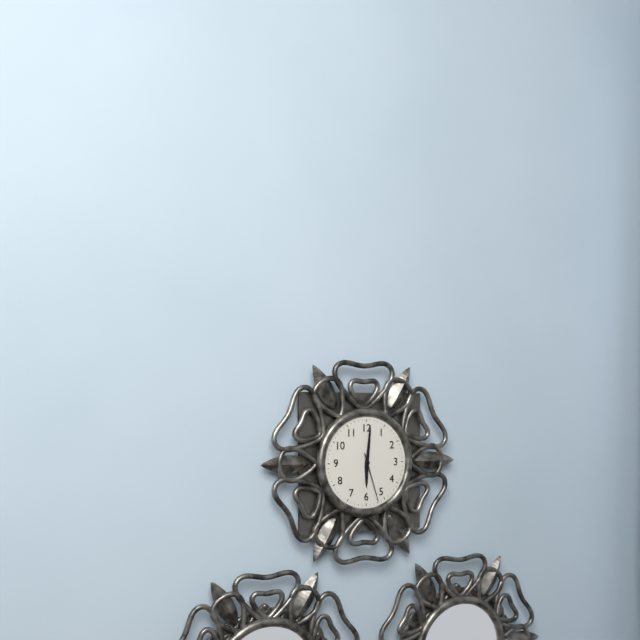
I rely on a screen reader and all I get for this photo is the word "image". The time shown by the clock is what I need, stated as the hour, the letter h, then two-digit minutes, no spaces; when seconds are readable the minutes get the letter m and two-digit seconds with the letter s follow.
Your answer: 6h01
